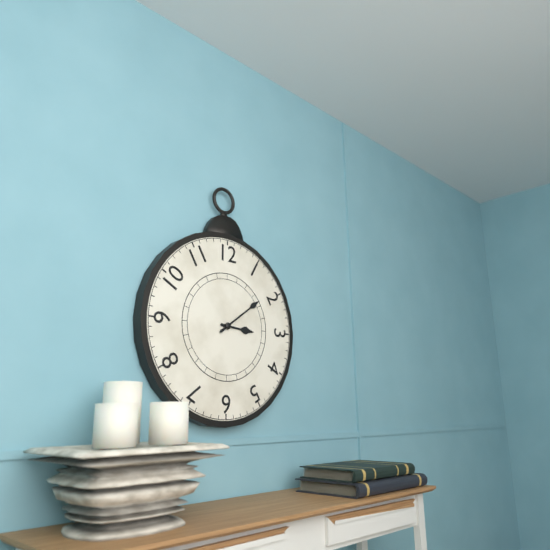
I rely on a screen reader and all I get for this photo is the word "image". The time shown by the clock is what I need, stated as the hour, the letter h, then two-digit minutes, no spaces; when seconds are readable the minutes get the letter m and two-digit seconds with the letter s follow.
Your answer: 3h09
